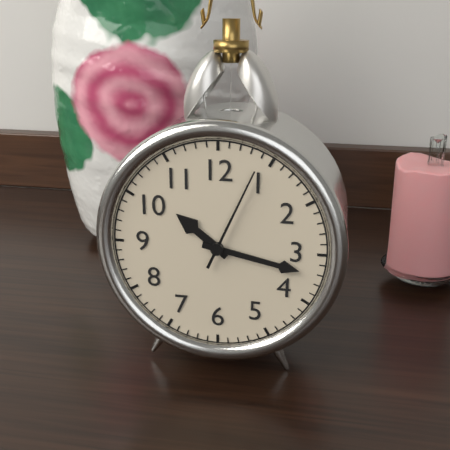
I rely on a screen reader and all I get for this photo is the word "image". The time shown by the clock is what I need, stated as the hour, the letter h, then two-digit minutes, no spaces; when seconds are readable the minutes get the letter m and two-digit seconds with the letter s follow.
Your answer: 10h17m04s
